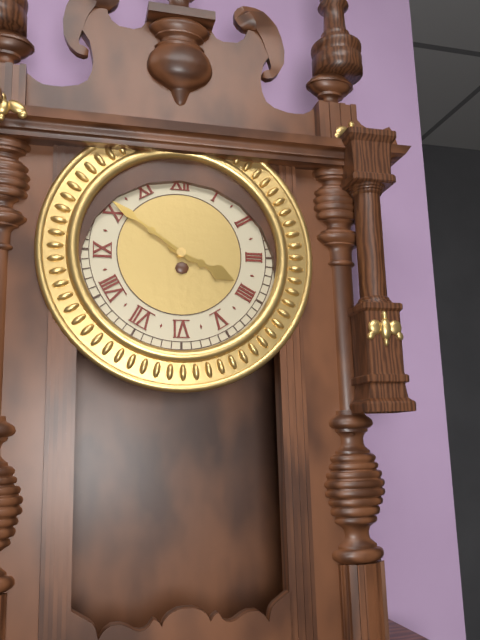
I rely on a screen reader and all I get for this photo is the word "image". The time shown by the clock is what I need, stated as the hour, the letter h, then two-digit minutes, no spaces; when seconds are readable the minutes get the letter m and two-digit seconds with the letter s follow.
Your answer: 3h51
